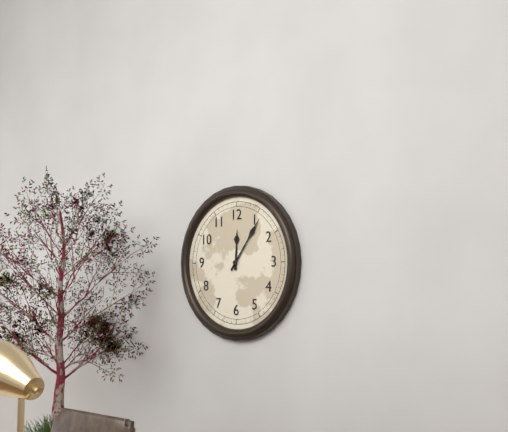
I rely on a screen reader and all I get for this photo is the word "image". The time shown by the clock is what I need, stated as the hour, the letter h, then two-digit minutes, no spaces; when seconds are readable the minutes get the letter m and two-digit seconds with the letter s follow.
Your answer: 12h06
